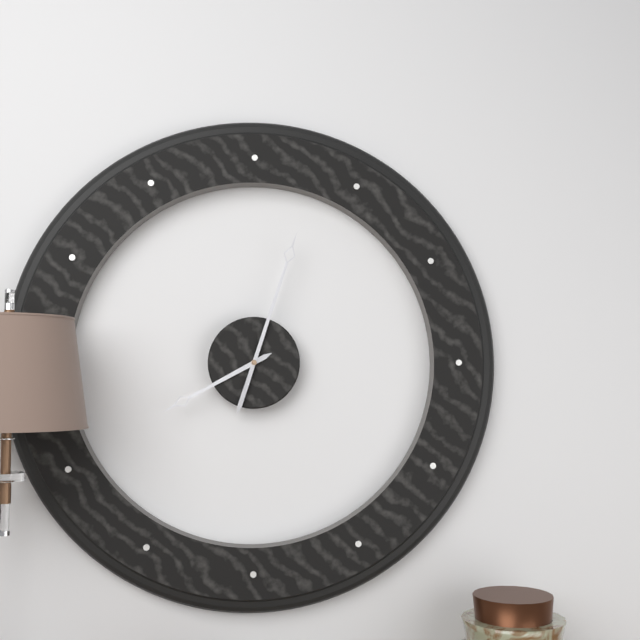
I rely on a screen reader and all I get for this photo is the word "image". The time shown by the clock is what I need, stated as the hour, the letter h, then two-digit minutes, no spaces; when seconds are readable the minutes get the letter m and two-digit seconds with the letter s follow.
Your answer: 8h03
